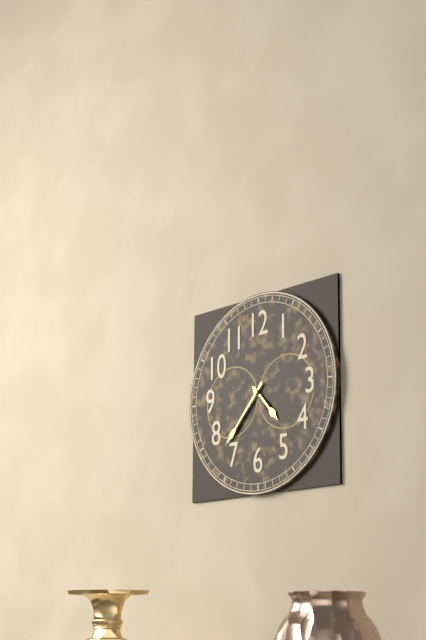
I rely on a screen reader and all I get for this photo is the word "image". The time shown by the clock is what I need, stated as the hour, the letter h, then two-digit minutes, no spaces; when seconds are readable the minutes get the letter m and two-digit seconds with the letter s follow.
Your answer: 4h37
